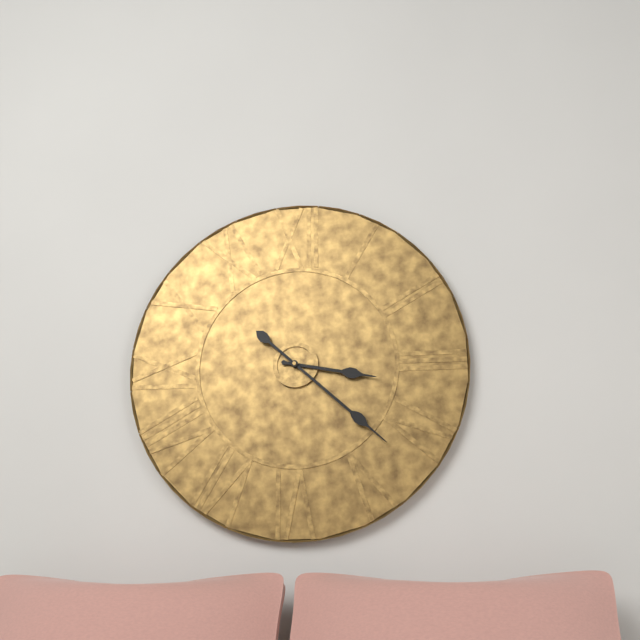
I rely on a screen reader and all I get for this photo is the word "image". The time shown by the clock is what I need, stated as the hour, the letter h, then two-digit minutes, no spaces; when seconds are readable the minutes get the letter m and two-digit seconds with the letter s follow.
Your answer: 3h22
